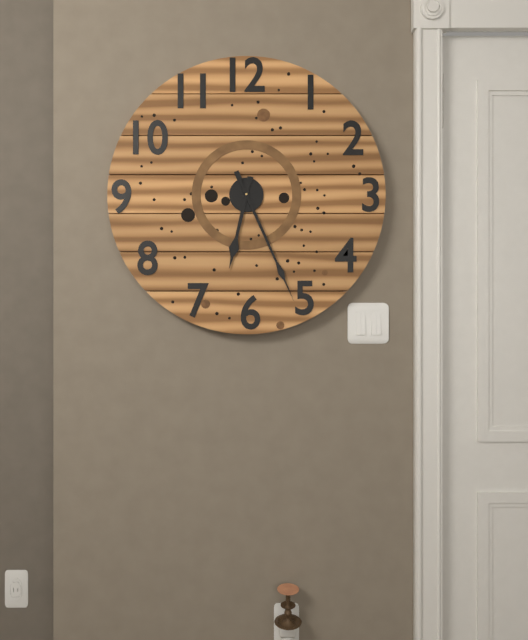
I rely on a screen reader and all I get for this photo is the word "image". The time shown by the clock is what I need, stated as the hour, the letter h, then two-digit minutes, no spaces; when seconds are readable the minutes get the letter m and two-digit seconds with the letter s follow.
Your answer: 6h26
